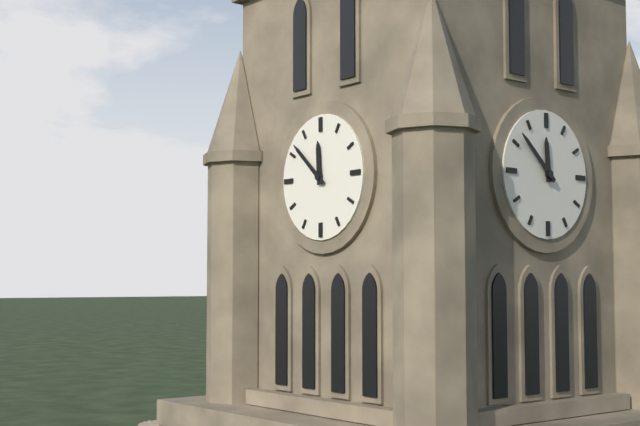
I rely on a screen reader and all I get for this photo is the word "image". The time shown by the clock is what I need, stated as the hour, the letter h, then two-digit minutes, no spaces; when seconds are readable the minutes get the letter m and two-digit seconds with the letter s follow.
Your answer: 11h52
